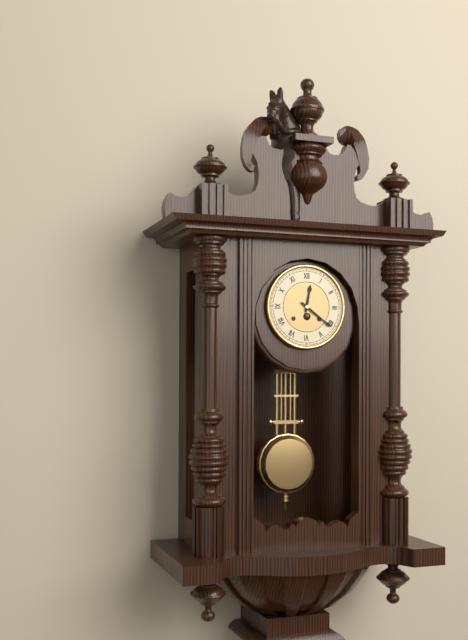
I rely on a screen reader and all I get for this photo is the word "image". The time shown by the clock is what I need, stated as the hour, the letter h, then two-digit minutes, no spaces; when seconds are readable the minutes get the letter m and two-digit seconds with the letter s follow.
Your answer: 12h21
